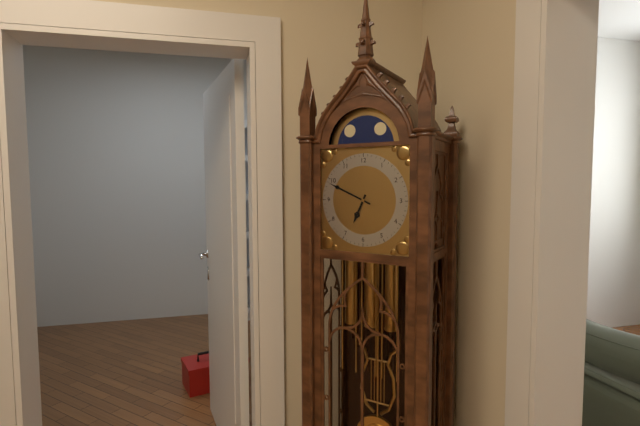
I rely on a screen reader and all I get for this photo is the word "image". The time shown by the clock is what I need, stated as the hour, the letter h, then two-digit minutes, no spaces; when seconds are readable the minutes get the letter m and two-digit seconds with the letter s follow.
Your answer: 6h49
